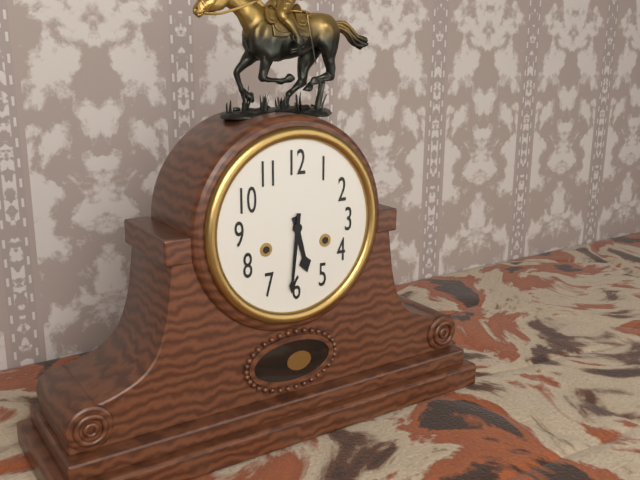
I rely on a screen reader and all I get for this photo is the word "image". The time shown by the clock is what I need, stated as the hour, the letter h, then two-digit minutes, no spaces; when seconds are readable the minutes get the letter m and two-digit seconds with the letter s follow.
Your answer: 5h31
